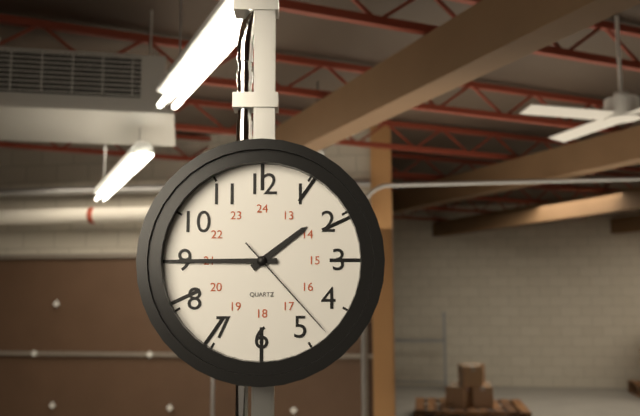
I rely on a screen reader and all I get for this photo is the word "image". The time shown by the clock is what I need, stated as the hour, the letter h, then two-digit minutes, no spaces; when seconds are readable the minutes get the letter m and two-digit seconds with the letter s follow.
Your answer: 1h45m23s
